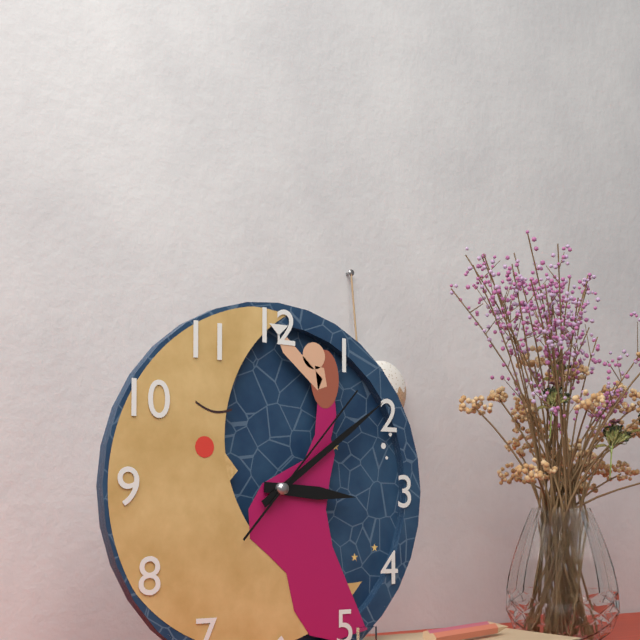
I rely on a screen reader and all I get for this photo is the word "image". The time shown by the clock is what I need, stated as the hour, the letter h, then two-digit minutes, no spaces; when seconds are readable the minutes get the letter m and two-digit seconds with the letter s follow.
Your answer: 3h09m07s
